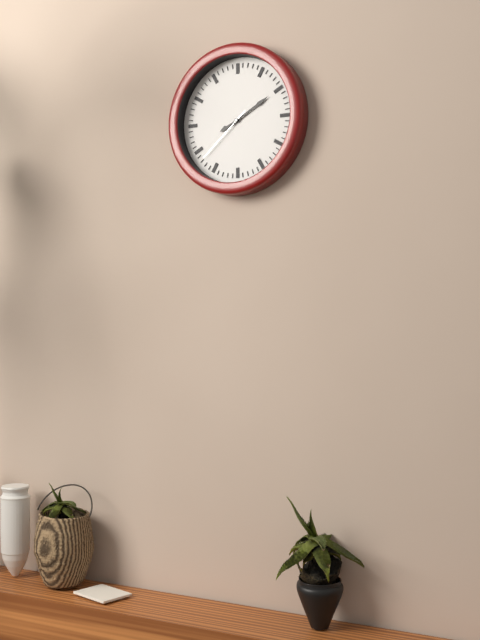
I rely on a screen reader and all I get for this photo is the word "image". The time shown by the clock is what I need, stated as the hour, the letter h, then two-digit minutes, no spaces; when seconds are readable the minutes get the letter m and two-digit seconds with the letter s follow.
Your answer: 8h10m38s
